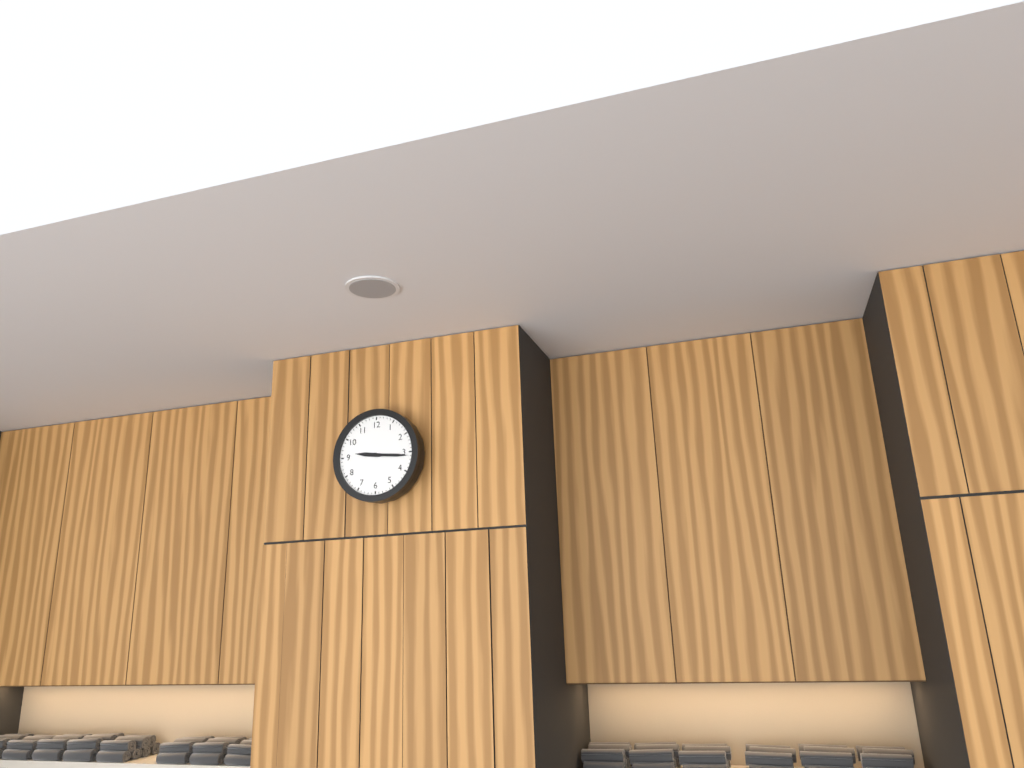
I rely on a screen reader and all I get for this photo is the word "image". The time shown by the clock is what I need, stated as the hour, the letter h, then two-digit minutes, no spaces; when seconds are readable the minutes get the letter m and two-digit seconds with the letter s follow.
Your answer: 9h16
